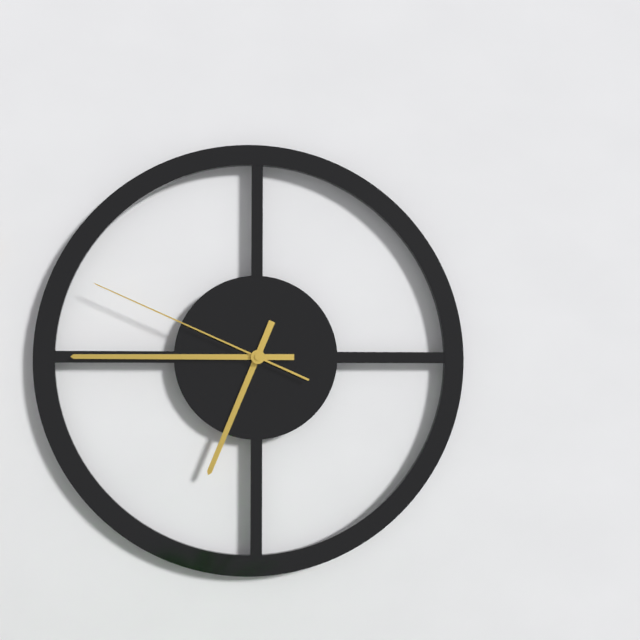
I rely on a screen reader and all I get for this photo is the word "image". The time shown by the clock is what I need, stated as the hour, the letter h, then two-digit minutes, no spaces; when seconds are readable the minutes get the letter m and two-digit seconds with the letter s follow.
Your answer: 6h45m49s
